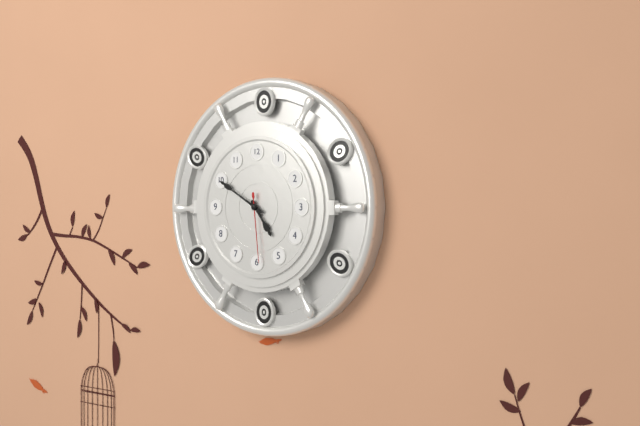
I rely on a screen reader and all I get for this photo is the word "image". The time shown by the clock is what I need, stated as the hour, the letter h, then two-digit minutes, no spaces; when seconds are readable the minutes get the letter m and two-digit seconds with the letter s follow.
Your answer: 4h50m29s
